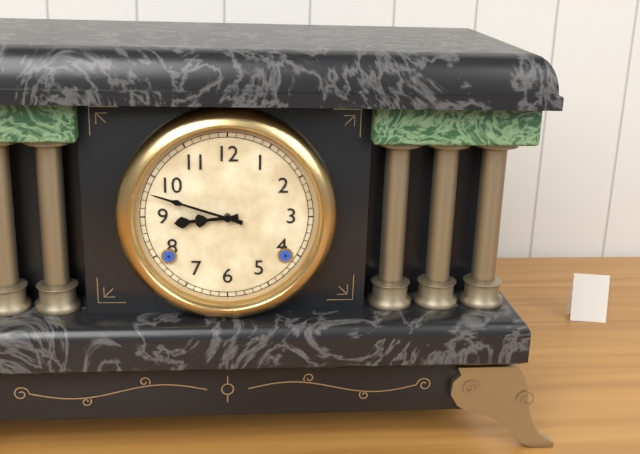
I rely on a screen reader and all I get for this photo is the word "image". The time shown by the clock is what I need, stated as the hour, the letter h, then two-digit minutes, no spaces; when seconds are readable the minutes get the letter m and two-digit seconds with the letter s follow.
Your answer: 8h48
